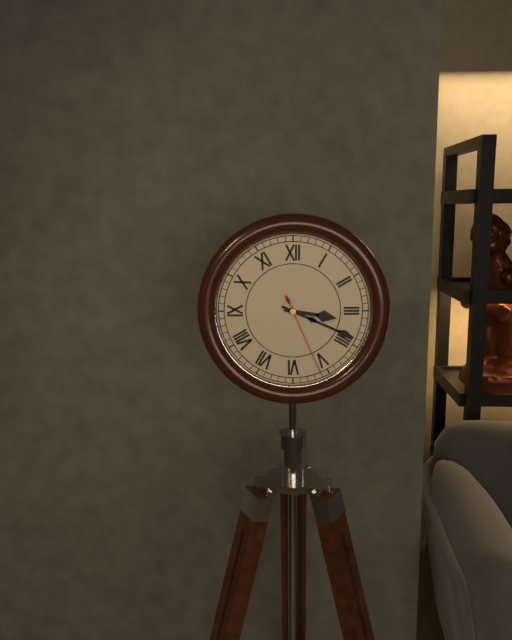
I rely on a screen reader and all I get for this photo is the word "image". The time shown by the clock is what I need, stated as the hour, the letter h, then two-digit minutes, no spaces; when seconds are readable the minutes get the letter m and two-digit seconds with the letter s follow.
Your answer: 3h19m26s
